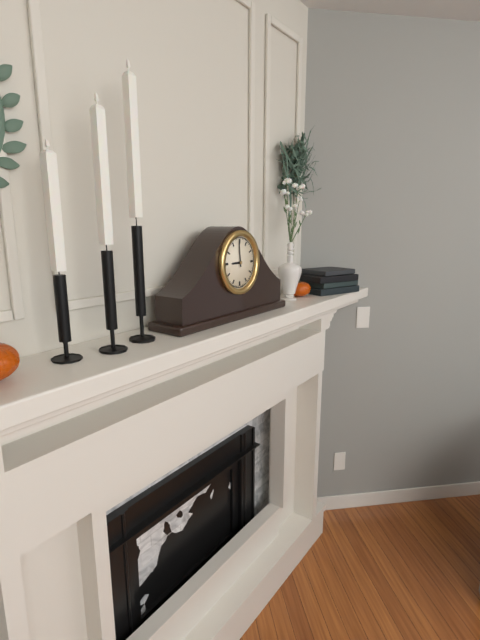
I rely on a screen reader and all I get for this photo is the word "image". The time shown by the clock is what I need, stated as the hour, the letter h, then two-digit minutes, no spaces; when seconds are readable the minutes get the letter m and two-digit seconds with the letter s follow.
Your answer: 8h59
